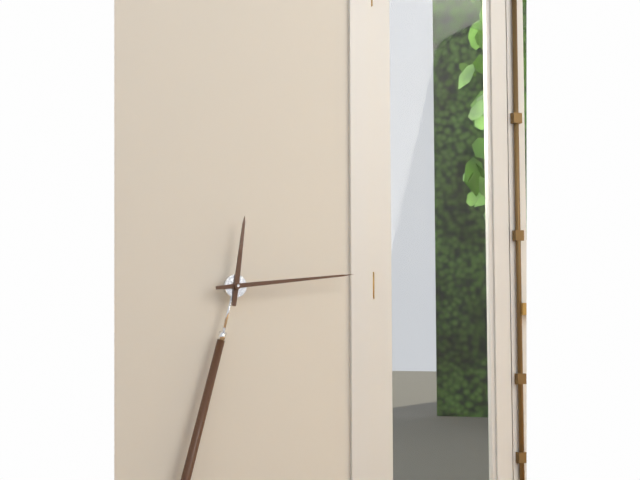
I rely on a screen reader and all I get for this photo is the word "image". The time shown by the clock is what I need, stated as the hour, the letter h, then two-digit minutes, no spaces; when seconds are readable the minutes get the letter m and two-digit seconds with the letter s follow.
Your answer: 12h14
